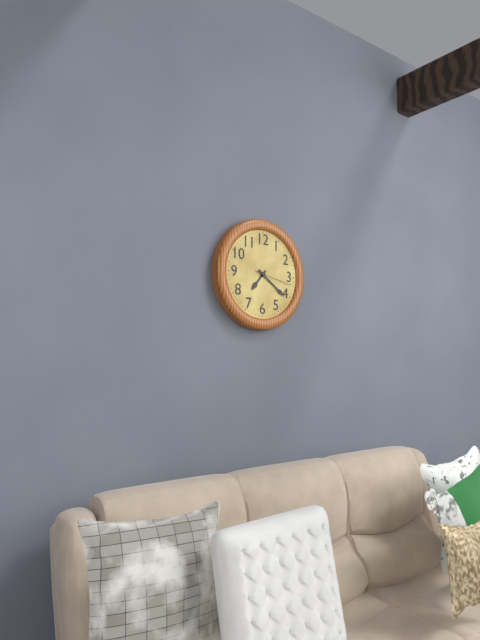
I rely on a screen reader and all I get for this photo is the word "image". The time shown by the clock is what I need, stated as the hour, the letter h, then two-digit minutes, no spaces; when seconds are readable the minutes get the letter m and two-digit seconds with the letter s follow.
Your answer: 7h21
